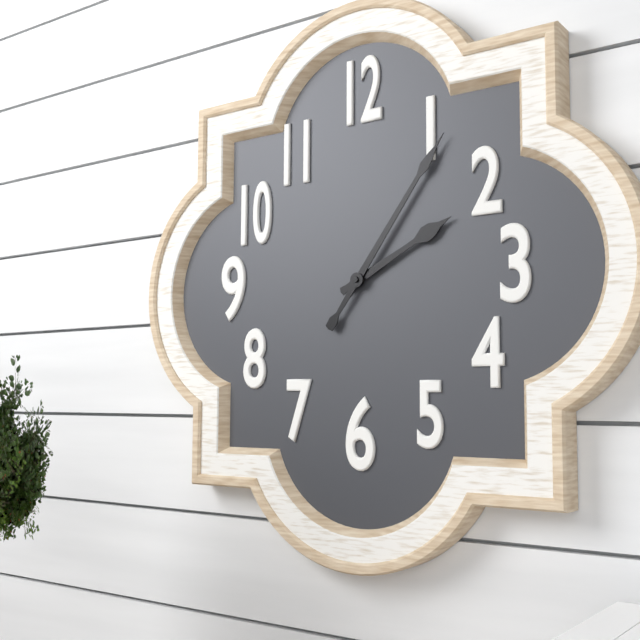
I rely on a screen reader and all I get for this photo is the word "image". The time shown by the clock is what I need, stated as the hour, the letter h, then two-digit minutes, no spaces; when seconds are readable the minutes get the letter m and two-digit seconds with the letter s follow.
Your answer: 2h06
